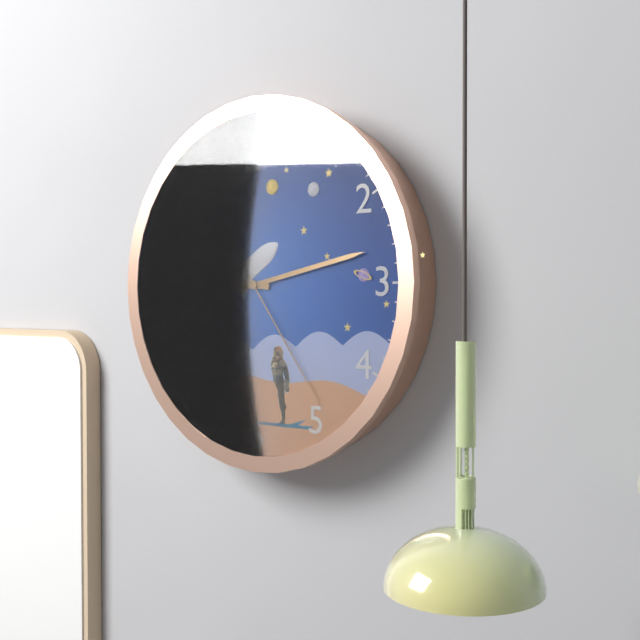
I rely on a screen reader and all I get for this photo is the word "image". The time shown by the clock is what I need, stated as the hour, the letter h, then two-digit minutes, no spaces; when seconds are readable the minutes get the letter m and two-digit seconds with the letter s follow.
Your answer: 9h13m24s
